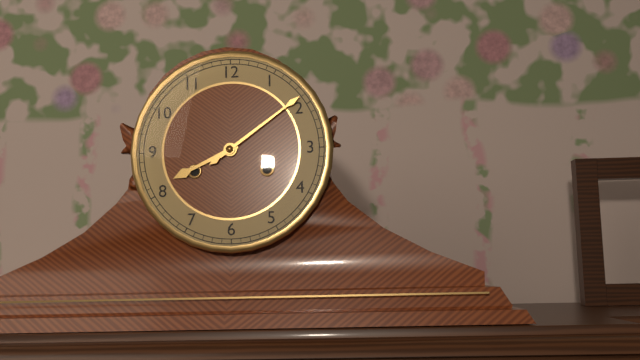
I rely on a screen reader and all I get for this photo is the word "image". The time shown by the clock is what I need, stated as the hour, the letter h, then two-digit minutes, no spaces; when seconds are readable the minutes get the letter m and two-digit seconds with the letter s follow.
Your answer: 8h09
